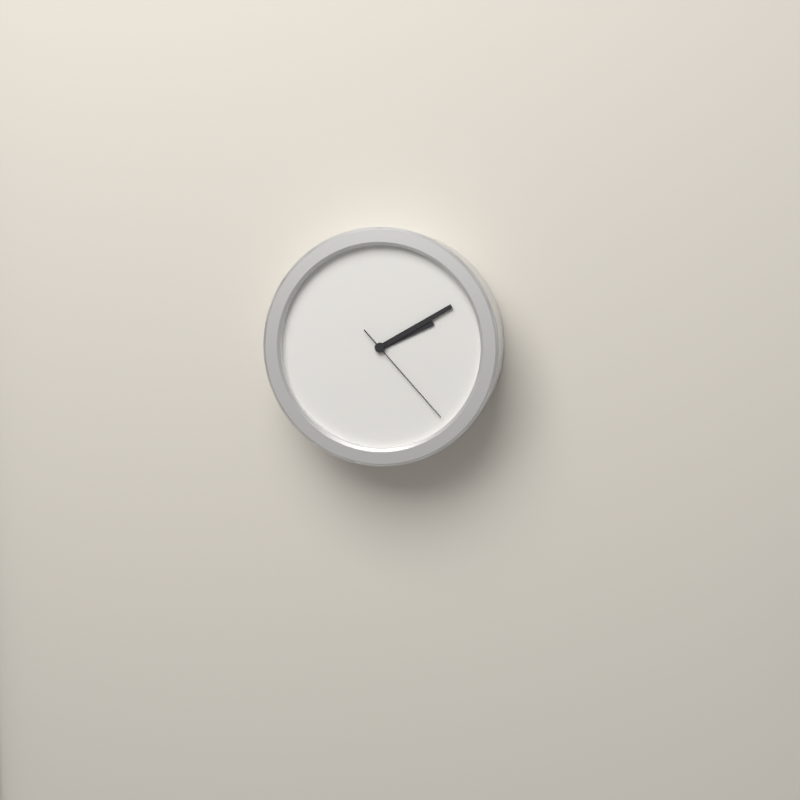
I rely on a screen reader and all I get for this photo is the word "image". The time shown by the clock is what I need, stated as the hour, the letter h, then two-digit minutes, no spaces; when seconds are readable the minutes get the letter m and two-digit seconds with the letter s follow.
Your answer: 2h10m23s
